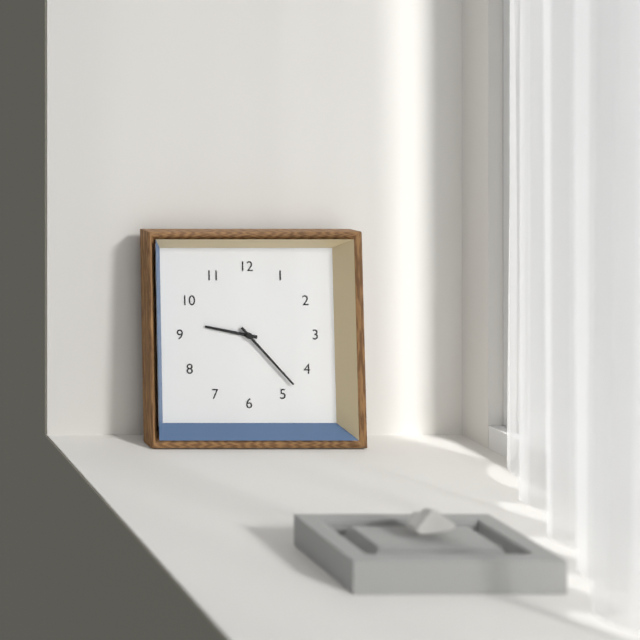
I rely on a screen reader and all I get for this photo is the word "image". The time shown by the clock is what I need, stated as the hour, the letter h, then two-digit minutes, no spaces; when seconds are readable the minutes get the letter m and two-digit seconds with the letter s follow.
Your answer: 9h23
